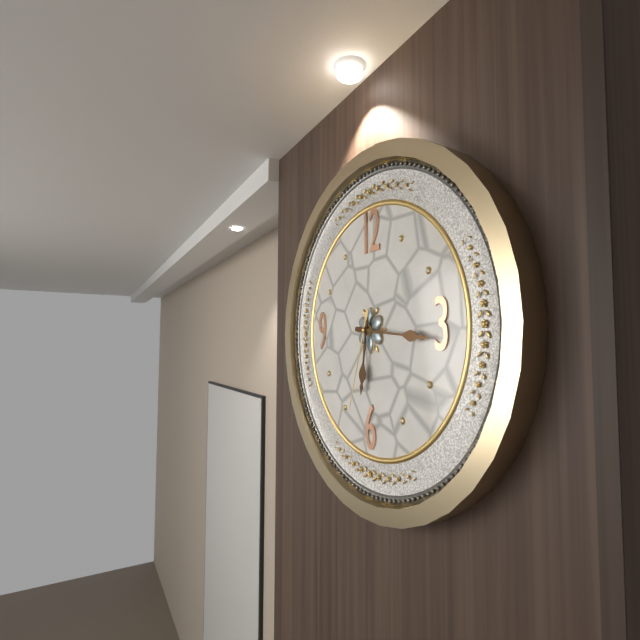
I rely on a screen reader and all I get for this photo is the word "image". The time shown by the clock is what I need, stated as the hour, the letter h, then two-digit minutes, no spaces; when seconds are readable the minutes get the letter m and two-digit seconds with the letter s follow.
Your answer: 6h16m33s
